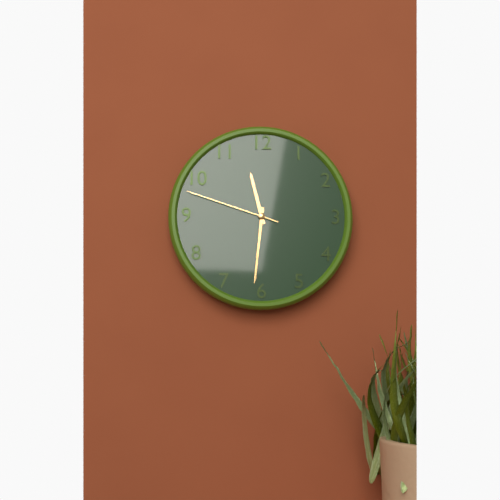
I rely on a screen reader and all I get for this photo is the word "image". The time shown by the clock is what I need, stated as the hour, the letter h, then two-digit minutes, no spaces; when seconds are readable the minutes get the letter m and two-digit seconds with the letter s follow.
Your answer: 11h31m48s
